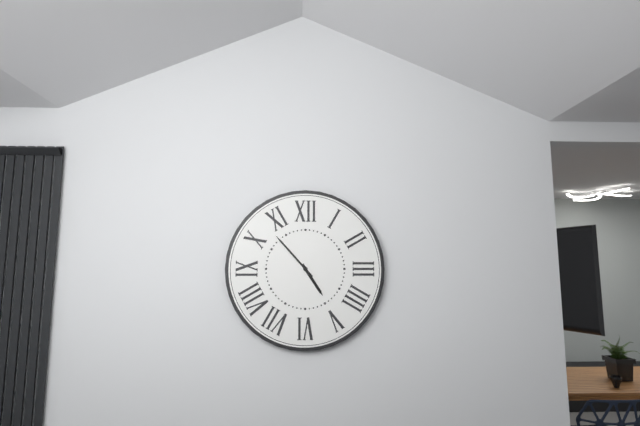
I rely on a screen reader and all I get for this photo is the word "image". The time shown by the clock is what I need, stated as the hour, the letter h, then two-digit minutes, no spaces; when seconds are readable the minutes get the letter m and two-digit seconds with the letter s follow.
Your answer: 4h53
